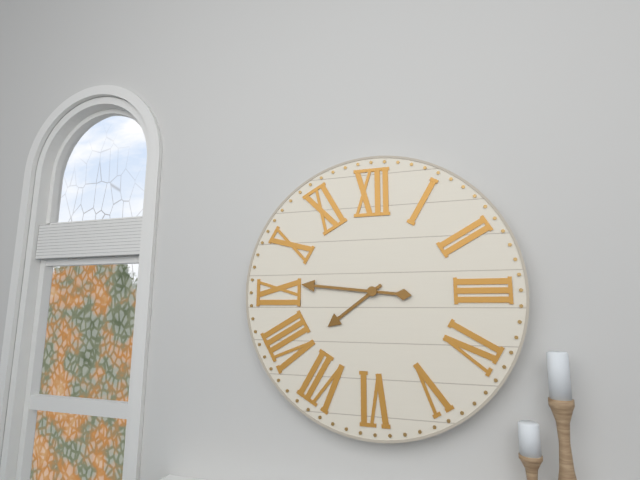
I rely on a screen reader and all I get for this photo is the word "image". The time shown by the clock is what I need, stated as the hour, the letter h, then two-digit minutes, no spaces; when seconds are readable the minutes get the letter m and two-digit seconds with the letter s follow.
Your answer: 7h46
